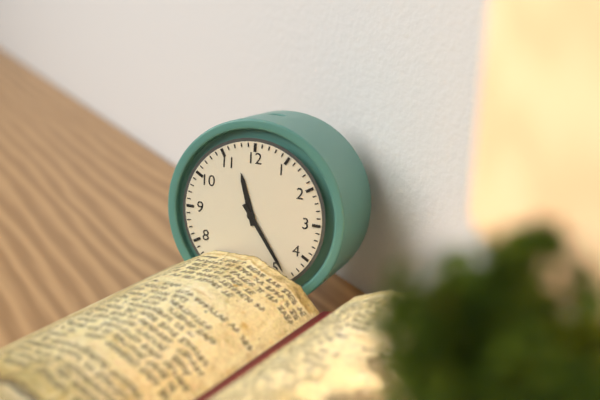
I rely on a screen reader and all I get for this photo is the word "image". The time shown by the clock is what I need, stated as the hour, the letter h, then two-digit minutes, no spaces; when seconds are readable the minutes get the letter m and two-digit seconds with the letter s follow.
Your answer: 11h24
